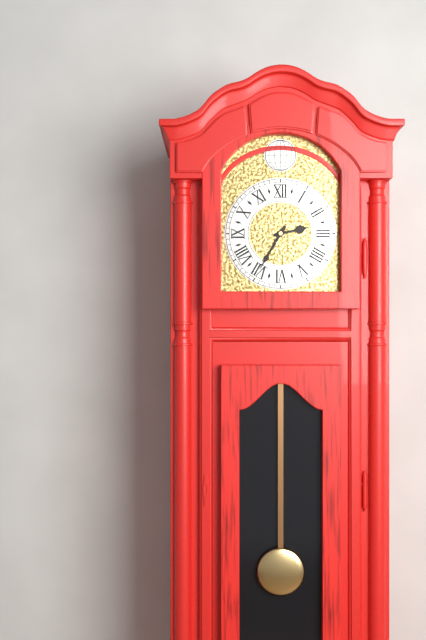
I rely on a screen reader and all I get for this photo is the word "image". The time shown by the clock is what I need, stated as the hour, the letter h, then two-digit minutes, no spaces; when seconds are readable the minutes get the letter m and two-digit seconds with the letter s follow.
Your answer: 2h35
